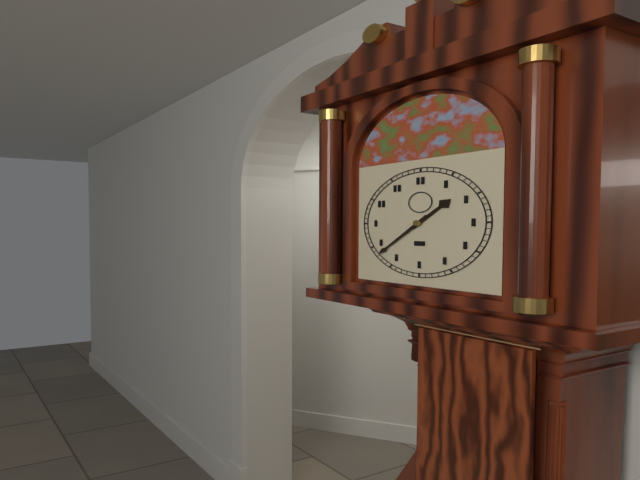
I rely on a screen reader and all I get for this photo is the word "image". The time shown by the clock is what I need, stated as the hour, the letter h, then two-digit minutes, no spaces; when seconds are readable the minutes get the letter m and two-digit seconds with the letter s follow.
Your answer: 1h38
